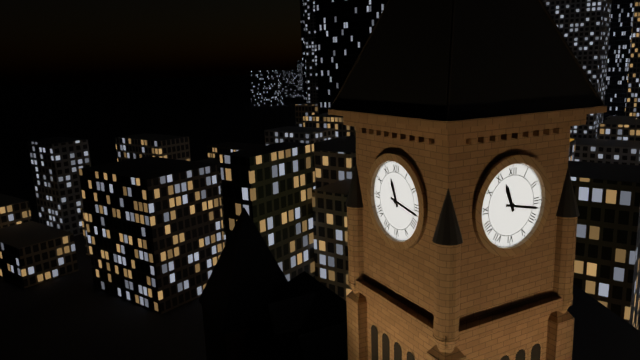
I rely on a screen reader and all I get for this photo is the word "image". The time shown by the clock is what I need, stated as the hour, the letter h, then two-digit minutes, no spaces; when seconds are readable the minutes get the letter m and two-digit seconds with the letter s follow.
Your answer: 11h17
